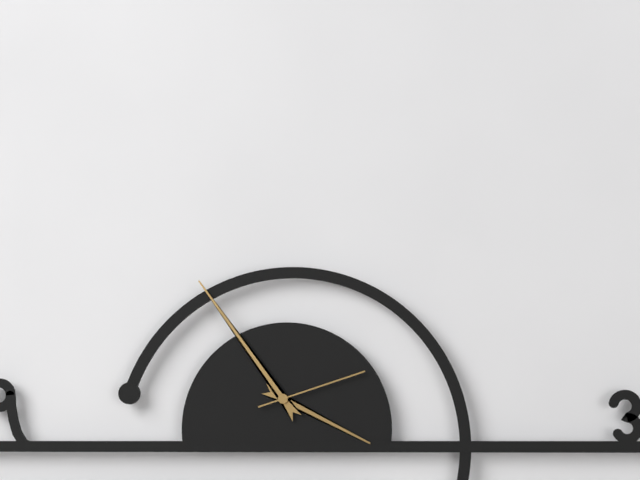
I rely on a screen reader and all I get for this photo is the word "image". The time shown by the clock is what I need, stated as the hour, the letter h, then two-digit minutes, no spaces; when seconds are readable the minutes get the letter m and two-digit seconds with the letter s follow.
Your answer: 3h54m12s
